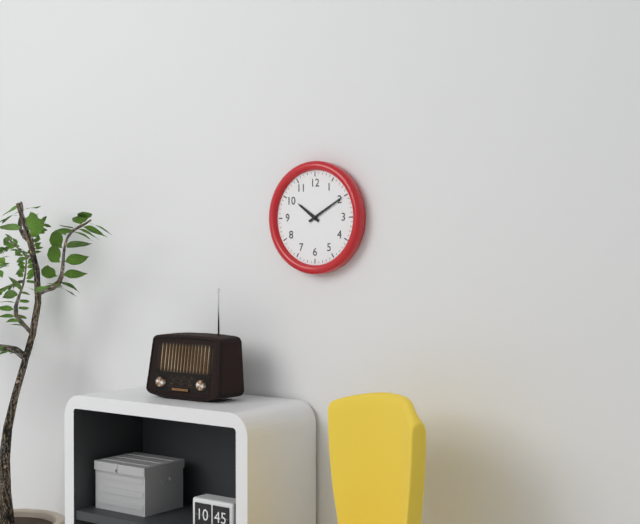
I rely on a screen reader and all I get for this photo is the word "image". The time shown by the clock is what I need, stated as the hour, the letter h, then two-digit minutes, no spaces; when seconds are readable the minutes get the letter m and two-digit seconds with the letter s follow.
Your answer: 10h10
